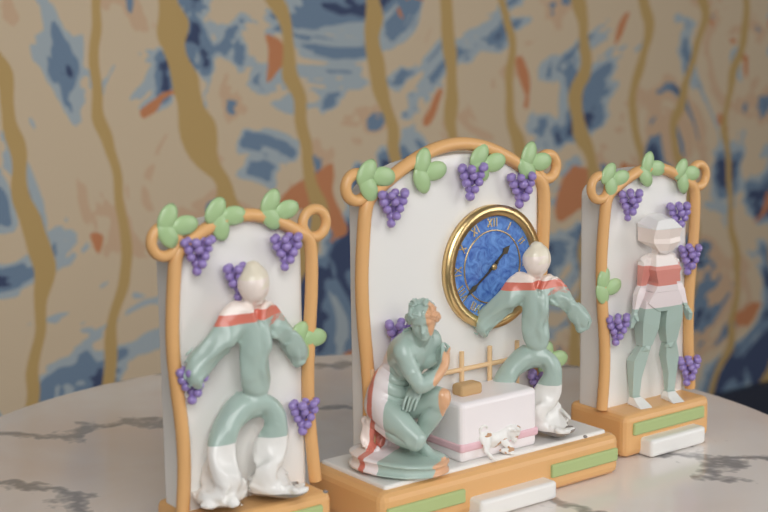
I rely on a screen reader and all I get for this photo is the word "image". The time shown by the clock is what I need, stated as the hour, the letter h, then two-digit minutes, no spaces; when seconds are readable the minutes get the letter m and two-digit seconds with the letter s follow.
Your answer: 1h39
